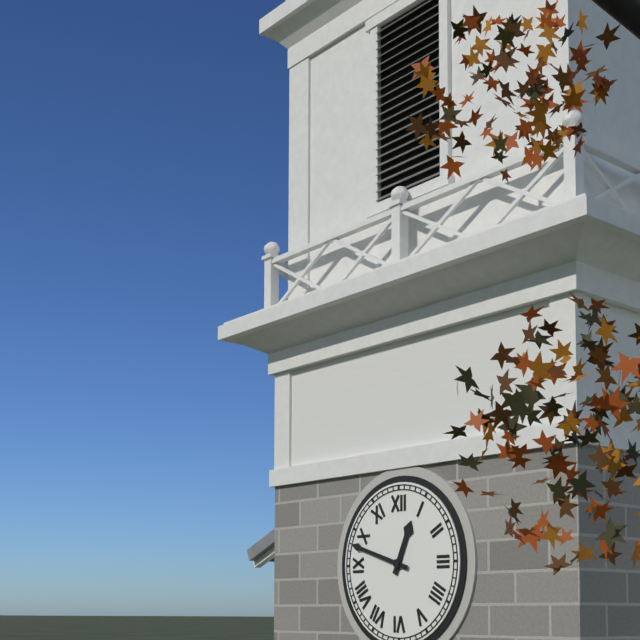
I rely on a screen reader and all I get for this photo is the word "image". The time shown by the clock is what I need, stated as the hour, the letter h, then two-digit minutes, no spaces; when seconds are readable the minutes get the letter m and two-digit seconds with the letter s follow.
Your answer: 12h48
